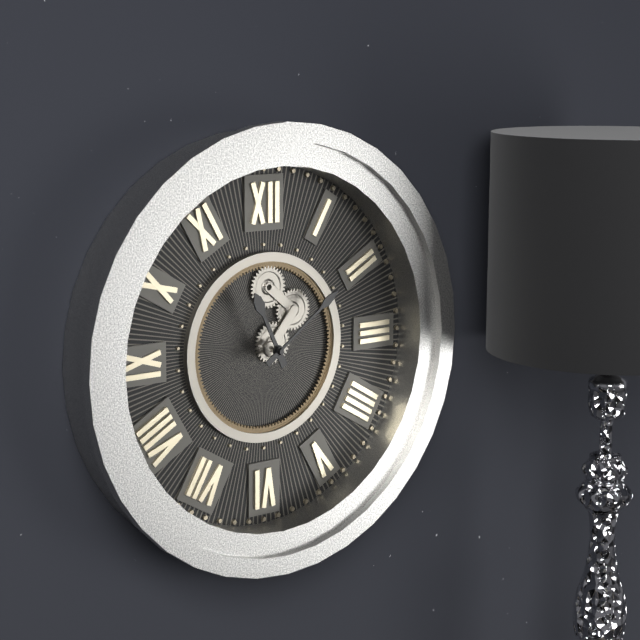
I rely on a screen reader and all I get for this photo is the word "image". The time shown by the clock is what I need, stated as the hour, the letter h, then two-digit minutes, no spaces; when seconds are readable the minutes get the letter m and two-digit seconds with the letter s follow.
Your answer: 11h09
